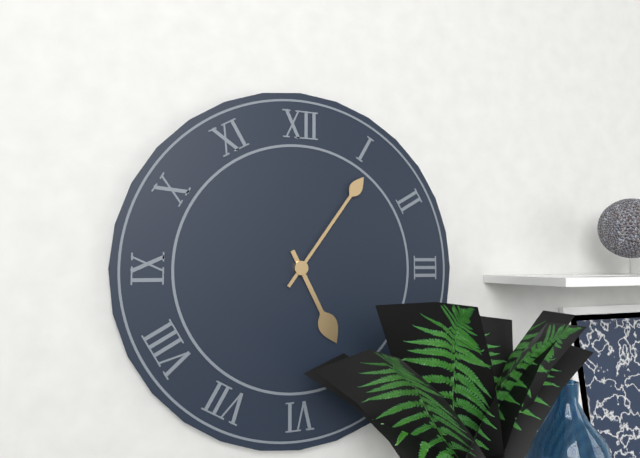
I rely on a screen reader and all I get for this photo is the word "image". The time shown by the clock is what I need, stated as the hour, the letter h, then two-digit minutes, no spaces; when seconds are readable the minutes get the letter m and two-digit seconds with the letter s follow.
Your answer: 5h06
